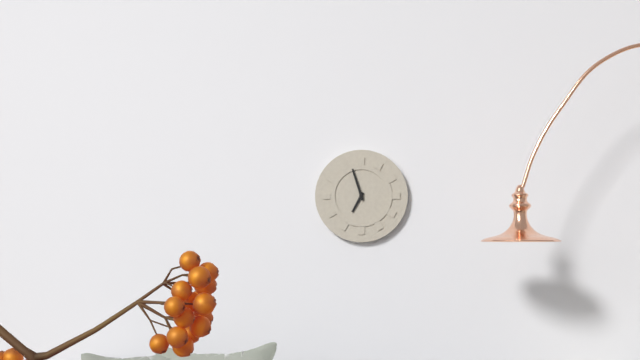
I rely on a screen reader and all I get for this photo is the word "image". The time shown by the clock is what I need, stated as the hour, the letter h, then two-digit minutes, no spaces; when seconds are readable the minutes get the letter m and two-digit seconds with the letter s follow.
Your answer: 6h57
